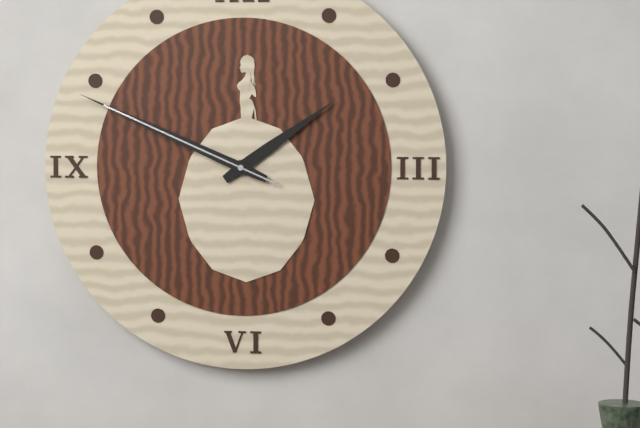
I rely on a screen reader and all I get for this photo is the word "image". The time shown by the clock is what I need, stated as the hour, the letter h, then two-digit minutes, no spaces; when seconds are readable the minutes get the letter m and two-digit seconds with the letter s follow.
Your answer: 1h49m49s
